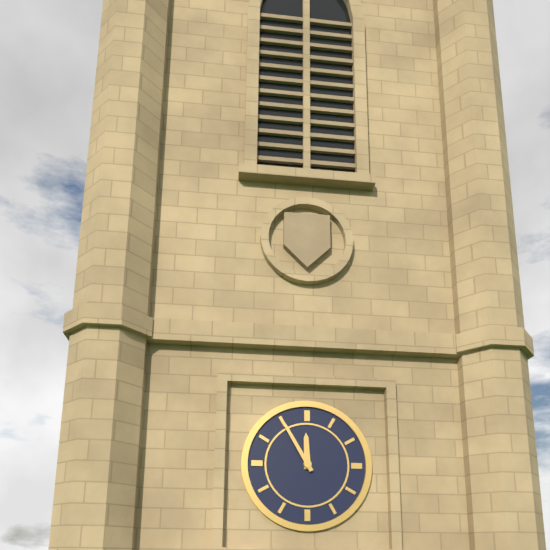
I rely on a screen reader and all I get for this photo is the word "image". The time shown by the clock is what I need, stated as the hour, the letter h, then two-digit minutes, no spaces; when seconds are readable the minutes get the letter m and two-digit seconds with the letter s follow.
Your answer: 11h55
